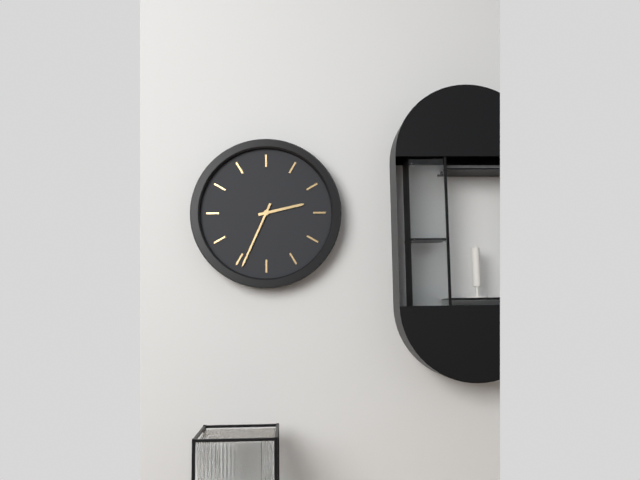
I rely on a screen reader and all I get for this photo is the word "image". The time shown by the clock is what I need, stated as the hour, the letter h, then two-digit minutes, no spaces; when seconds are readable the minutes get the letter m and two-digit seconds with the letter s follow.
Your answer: 2h34
